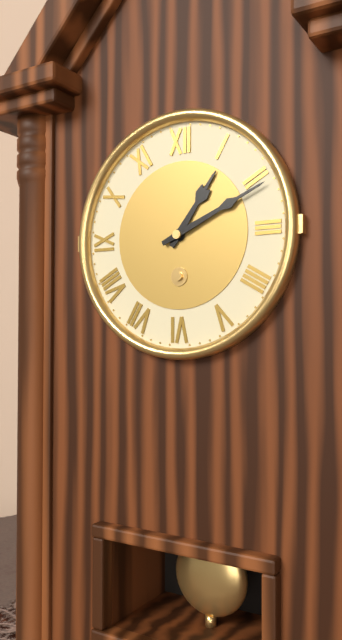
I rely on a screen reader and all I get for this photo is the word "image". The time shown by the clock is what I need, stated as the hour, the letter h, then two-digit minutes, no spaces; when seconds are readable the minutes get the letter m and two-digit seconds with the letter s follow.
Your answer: 1h11
